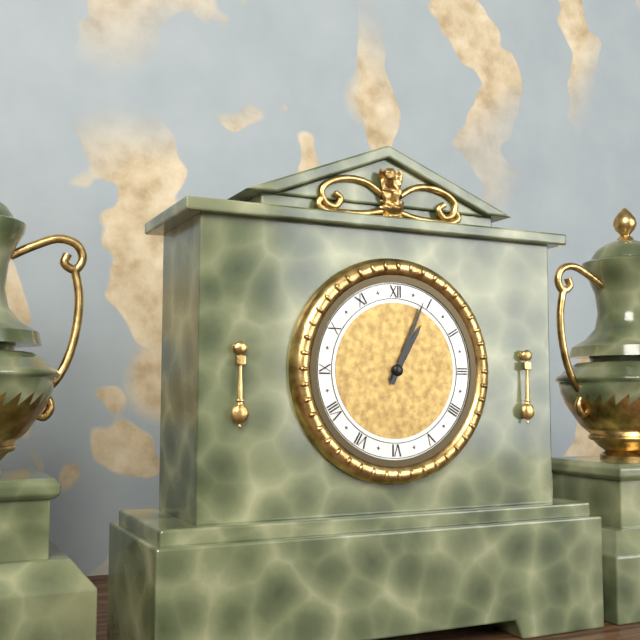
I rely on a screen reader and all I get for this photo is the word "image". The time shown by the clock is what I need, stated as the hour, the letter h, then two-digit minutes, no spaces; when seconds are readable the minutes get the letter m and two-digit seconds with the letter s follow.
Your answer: 1h04
